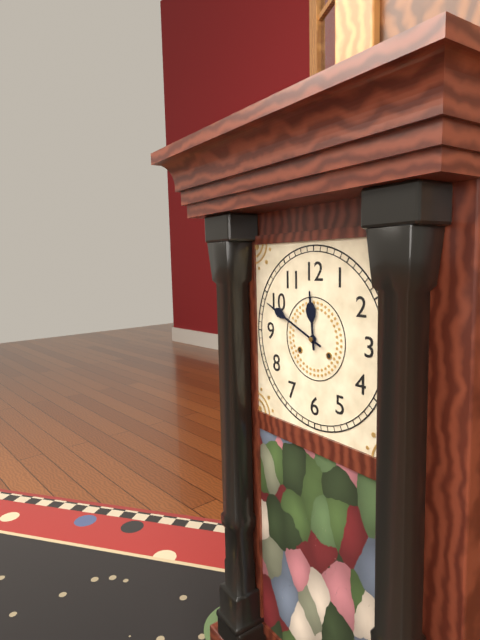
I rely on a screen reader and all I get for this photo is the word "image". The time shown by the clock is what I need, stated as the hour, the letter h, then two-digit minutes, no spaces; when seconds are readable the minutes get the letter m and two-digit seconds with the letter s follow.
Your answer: 11h49
